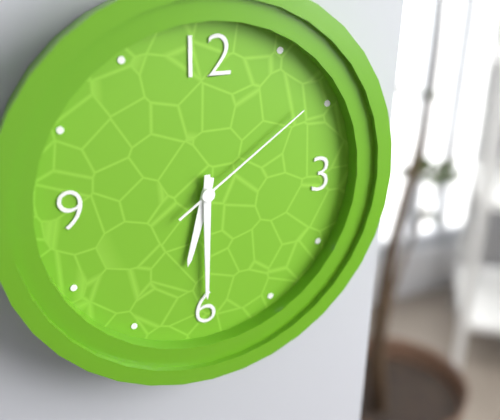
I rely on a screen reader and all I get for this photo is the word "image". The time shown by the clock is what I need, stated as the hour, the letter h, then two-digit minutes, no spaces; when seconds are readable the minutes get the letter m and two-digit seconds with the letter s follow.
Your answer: 6h30m09s
